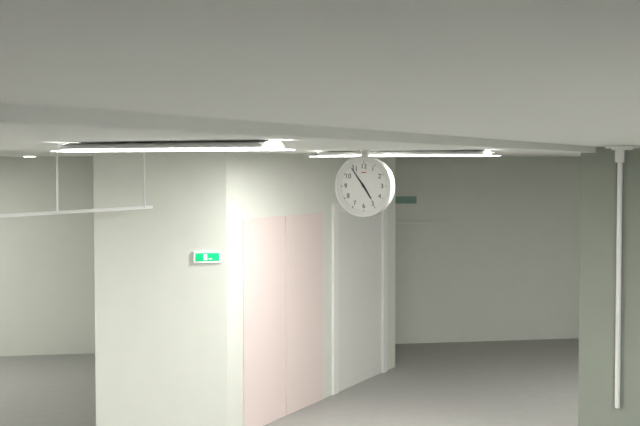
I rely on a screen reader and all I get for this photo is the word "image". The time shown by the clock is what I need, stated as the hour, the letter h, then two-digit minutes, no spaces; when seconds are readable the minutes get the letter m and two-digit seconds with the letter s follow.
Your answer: 4h54
